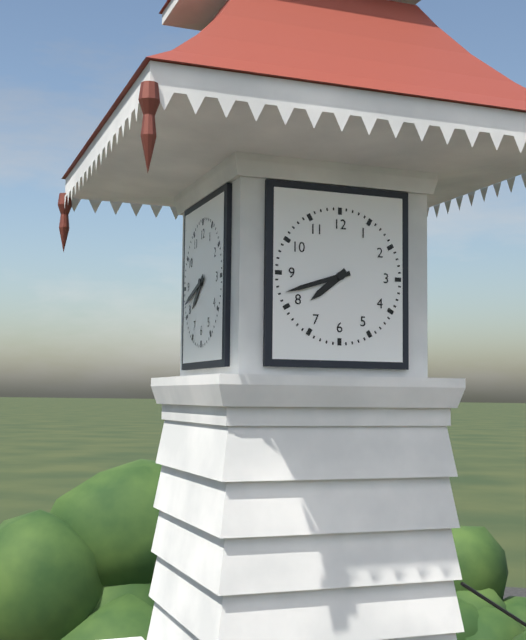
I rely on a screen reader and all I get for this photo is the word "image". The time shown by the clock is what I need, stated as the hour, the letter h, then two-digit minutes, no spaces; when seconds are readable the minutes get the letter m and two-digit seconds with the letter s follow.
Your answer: 7h42
